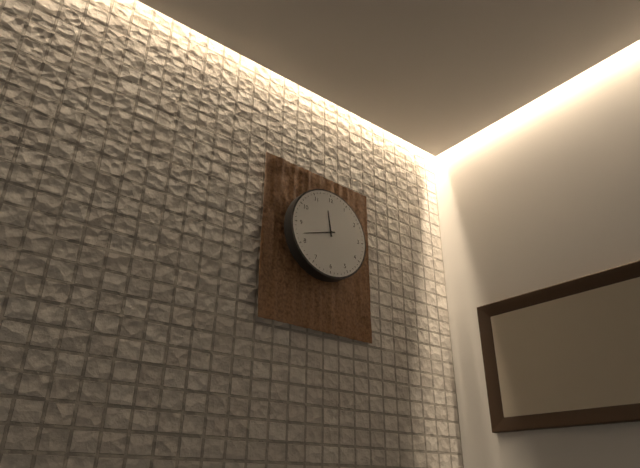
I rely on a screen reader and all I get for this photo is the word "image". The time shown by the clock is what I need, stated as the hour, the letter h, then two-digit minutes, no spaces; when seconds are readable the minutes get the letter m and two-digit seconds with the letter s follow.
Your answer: 11h42
